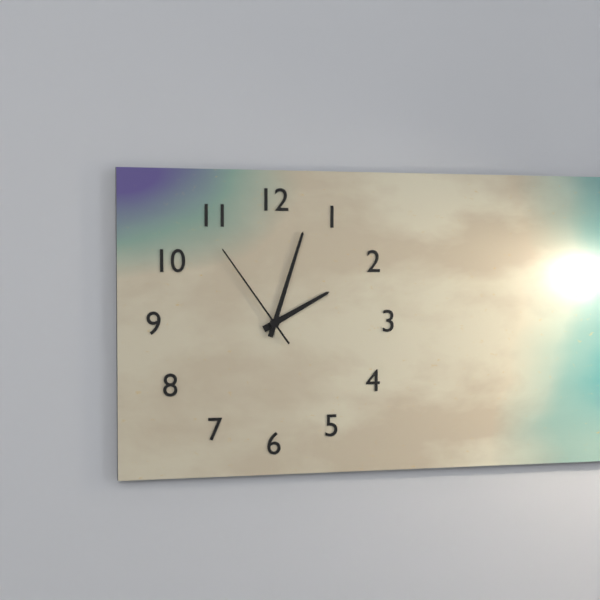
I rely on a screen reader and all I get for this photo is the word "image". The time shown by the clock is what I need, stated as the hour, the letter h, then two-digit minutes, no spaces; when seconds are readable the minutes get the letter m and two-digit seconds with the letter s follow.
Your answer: 2h03m54s
